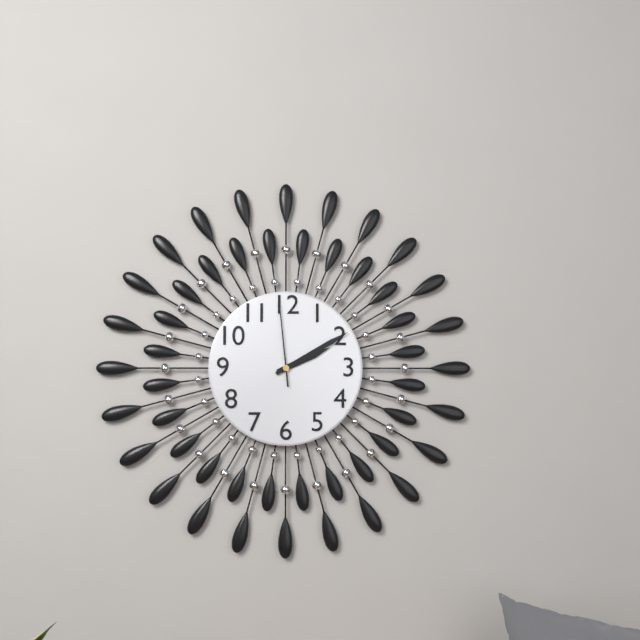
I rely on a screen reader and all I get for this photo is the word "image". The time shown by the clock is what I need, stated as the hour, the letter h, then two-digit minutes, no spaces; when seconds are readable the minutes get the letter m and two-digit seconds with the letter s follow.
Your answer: 2h10m59s
